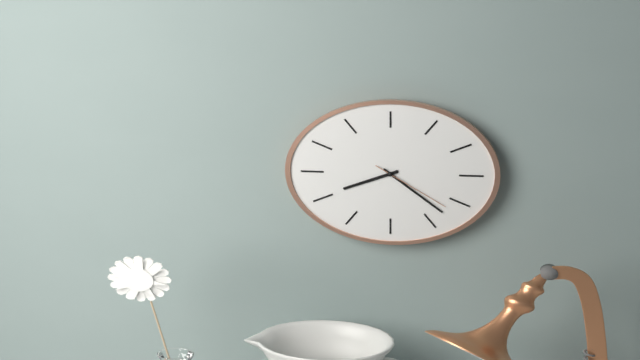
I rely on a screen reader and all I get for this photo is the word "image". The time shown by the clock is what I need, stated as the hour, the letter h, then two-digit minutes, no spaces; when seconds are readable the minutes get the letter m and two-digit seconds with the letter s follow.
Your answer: 8h21m20s
